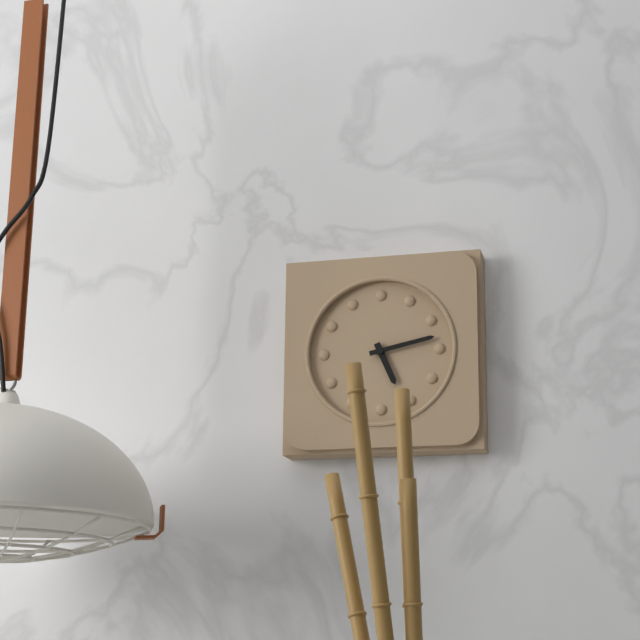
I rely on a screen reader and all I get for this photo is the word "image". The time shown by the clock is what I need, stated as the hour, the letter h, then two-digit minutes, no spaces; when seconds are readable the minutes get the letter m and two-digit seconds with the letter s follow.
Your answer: 5h13
